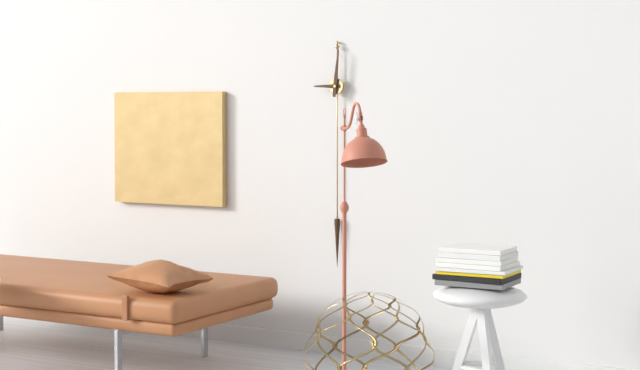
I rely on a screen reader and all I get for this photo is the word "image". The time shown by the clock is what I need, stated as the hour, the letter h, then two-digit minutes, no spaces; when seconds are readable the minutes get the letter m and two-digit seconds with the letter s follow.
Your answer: 9h01
